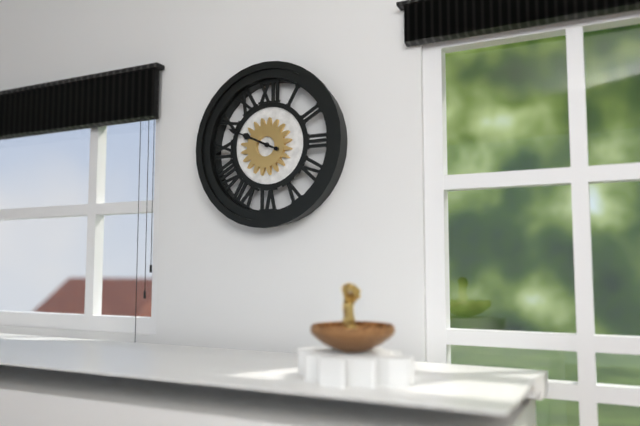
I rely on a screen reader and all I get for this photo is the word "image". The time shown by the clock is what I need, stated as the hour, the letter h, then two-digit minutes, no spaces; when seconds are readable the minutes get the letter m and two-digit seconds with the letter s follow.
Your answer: 9h49
